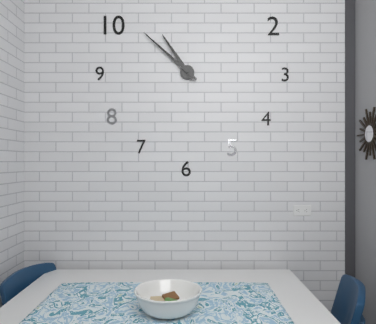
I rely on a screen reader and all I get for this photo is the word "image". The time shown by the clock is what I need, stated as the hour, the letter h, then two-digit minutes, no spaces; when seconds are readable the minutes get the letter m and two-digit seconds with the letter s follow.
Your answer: 10h52
